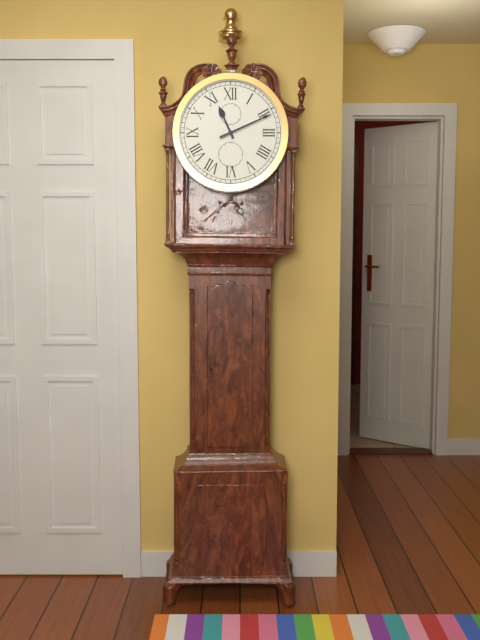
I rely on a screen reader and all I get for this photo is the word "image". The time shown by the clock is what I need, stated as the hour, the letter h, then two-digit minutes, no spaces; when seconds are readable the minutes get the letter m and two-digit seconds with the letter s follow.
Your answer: 11h11
